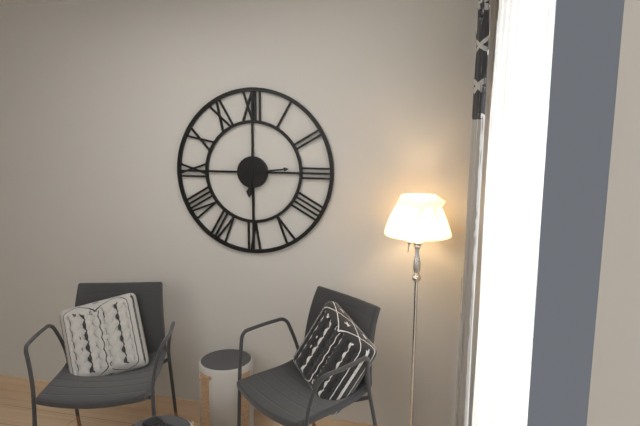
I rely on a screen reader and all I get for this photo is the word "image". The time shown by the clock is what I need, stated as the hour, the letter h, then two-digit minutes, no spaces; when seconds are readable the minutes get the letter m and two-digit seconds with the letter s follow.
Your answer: 6h14
